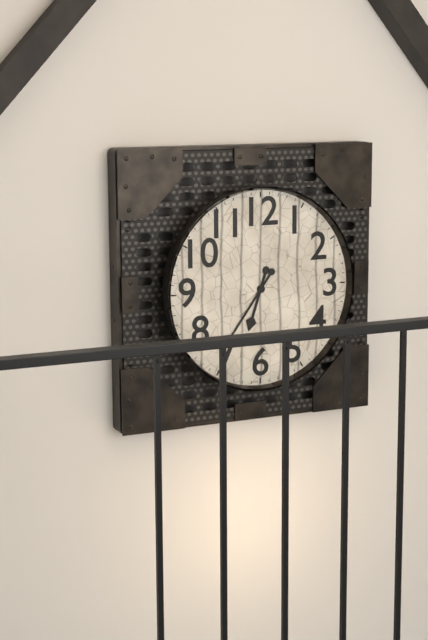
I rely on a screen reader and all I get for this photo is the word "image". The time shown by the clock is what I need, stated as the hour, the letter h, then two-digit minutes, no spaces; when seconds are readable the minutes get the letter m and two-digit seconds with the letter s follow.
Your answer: 6h36
